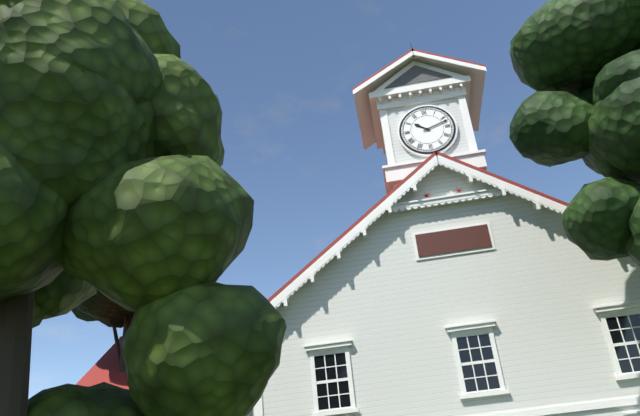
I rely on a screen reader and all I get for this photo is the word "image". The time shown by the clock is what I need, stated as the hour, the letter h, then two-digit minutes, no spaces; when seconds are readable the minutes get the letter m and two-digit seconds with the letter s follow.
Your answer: 10h12
